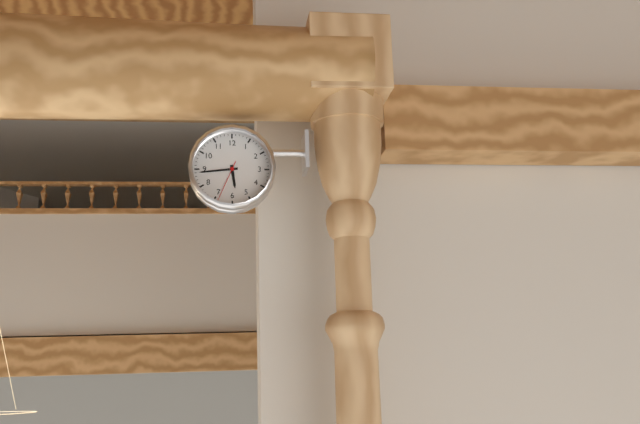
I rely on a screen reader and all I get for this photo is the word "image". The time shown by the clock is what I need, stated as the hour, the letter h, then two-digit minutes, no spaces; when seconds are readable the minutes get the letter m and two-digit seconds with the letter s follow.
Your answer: 5h44
